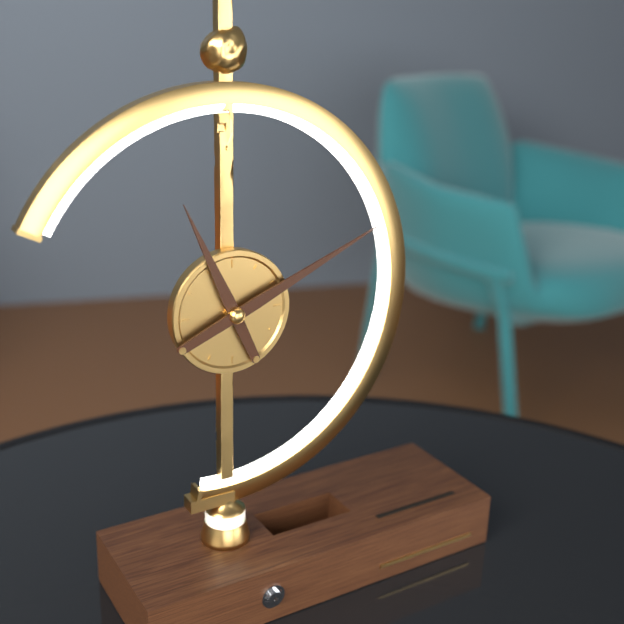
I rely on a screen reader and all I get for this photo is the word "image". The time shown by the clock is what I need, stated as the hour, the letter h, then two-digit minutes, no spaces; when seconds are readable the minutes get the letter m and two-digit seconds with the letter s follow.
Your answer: 11h11
